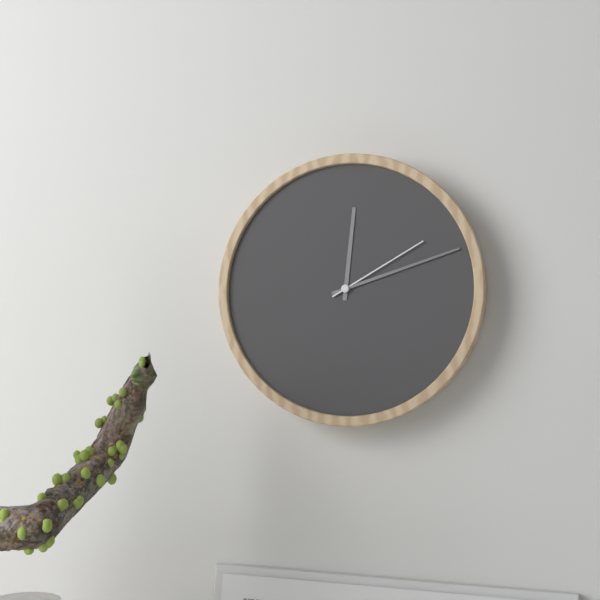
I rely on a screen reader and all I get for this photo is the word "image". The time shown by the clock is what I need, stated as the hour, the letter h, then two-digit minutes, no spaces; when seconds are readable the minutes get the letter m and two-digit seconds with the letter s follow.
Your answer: 12h12m10s
